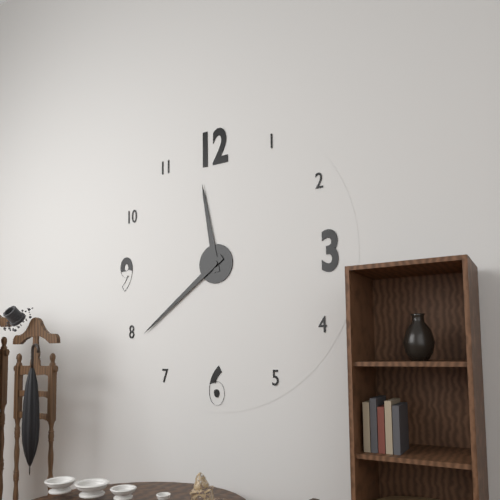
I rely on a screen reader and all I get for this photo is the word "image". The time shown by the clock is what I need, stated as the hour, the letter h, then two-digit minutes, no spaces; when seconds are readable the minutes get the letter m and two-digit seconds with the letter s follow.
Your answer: 11h39
